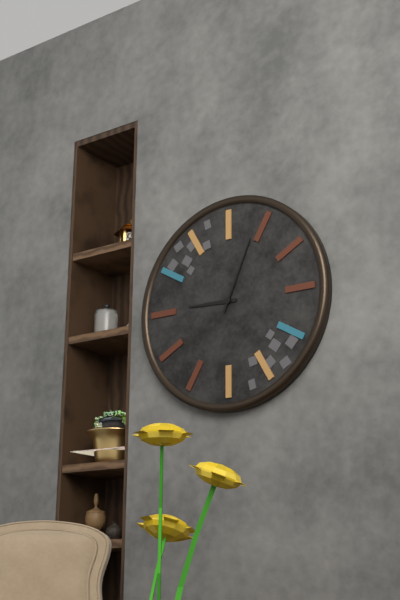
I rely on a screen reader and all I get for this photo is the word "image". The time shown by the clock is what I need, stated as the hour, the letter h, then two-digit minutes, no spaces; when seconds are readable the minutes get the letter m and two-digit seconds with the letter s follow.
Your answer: 9h04
